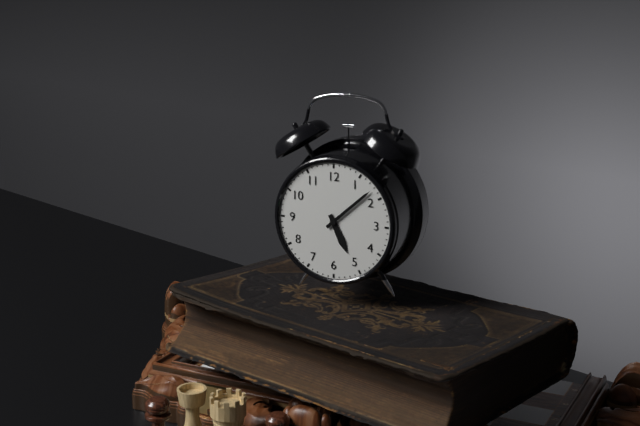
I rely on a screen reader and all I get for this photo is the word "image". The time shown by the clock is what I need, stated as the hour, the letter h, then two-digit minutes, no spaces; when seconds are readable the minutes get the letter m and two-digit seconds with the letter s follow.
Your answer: 5h08
